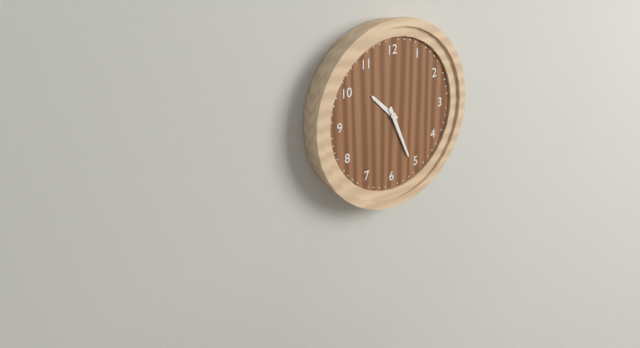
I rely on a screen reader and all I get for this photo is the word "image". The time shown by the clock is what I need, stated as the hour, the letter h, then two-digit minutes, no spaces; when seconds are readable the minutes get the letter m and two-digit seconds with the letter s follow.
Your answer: 10h26
